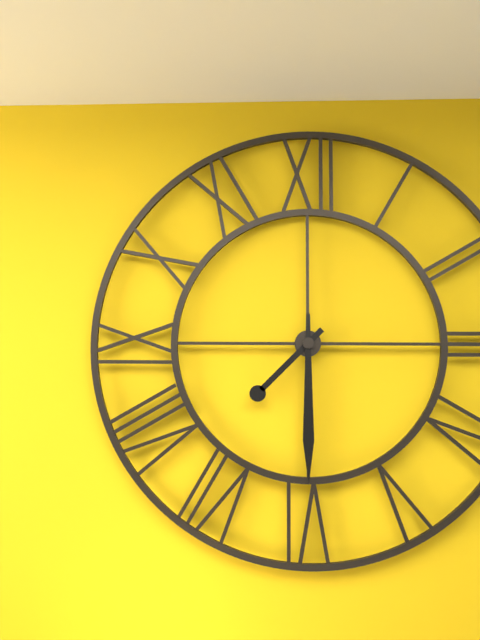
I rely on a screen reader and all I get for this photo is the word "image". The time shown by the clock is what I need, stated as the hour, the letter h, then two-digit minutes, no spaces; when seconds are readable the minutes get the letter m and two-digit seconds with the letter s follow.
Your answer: 7h30
